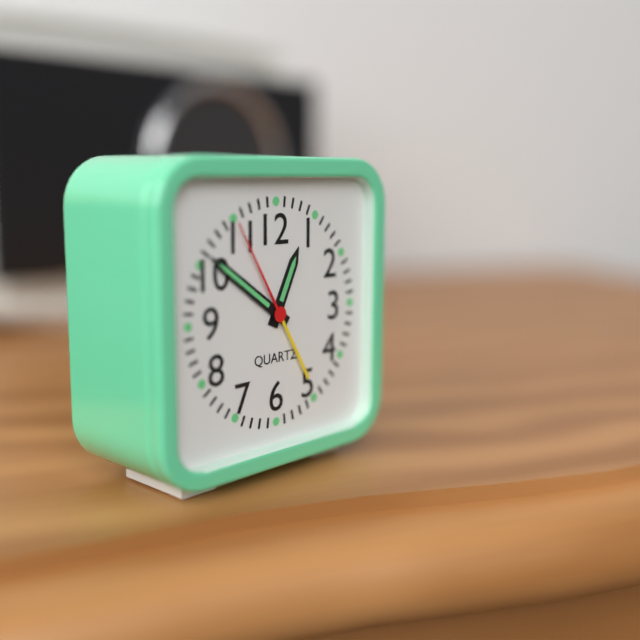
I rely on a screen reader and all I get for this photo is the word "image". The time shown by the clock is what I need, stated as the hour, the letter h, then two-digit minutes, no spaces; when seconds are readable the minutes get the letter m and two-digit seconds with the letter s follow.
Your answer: 12h51m55s
